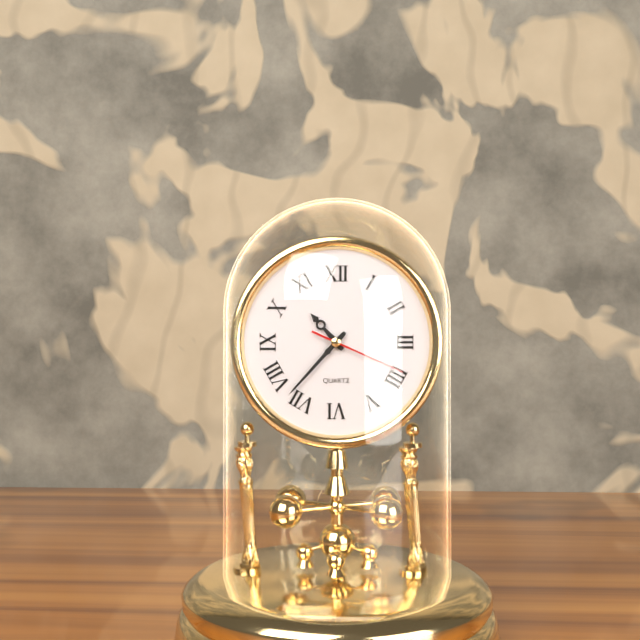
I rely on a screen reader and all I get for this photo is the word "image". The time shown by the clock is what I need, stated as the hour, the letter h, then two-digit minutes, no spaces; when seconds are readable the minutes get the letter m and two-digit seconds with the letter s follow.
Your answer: 10h37m19s
